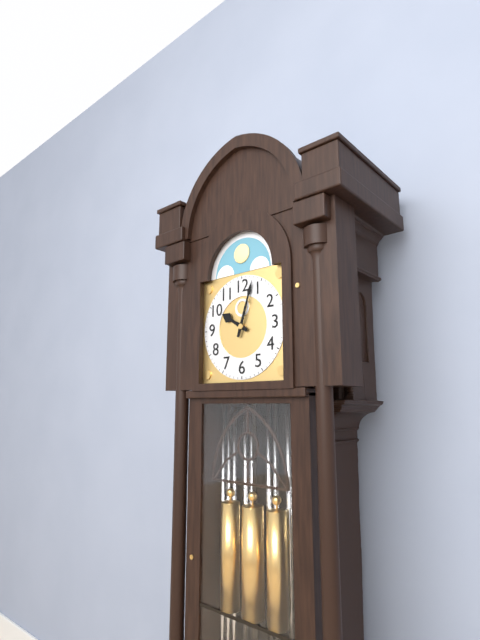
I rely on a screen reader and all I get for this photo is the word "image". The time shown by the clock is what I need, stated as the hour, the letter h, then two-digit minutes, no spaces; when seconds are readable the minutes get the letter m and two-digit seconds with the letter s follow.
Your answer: 10h03
